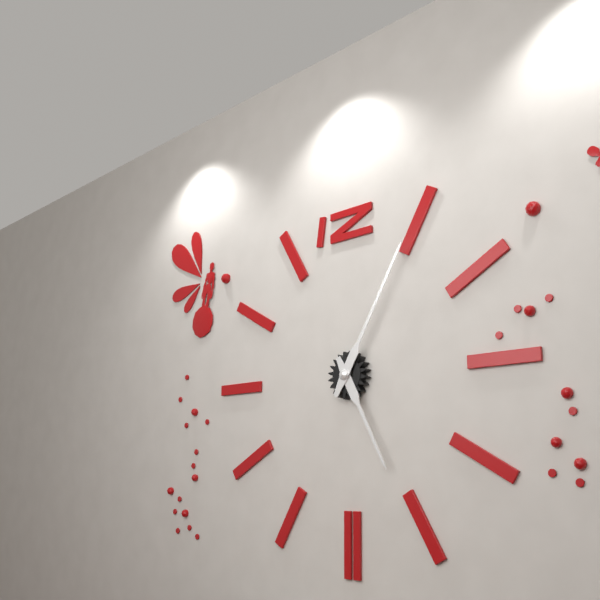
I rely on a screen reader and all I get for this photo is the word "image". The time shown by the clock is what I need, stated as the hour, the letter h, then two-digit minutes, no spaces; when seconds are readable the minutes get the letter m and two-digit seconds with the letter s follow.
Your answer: 5h05
